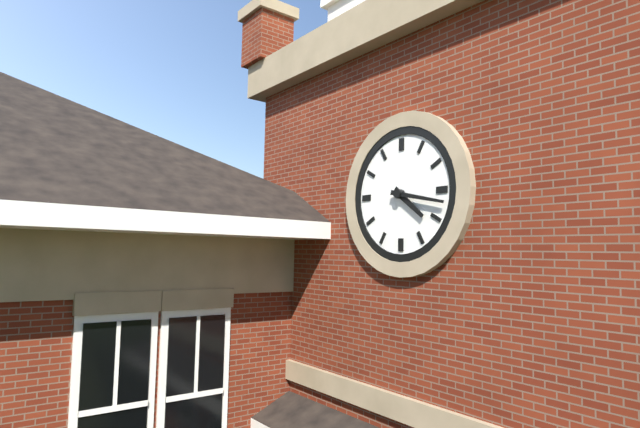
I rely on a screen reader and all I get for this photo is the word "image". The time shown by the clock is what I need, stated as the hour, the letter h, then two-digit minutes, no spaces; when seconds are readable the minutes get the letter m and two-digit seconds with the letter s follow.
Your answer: 4h17
